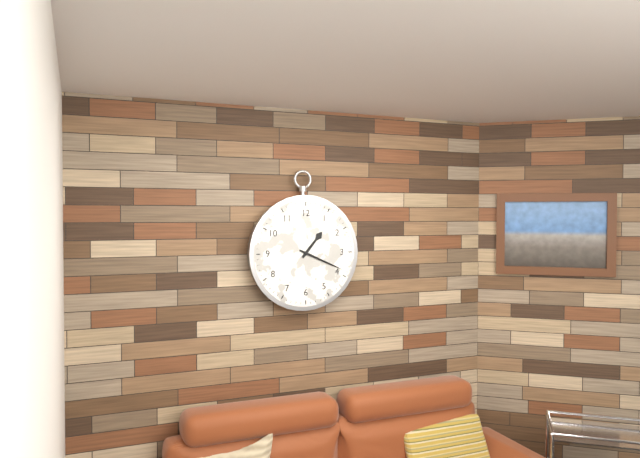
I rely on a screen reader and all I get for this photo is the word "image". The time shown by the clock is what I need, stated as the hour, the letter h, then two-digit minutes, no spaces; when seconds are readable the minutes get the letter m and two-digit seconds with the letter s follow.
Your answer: 1h19
